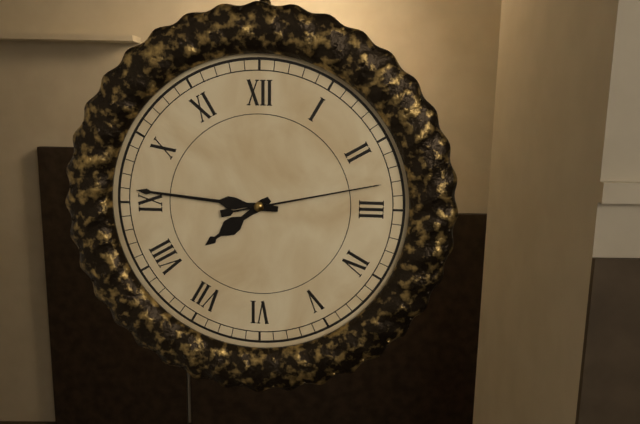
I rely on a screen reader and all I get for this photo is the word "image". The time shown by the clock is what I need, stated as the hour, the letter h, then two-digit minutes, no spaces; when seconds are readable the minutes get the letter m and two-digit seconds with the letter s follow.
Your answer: 7h46m13s
